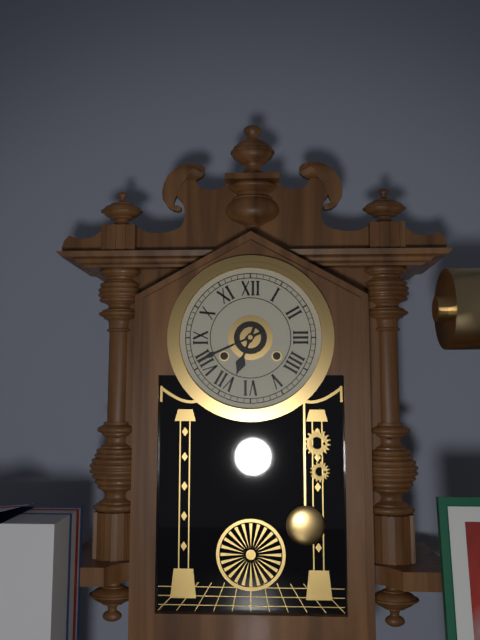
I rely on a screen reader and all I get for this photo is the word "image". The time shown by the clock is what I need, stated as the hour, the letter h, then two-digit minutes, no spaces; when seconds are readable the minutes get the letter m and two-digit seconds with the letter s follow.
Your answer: 6h41
